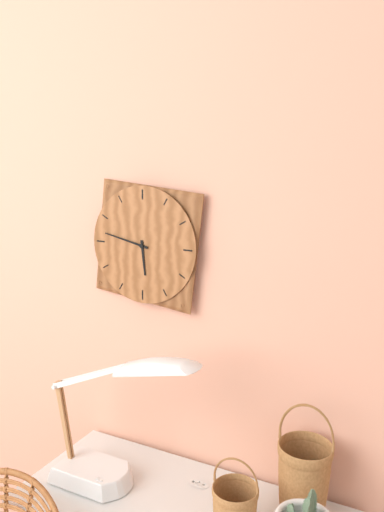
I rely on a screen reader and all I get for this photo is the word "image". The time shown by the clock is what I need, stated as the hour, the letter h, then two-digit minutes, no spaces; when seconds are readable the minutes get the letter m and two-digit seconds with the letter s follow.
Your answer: 5h47
